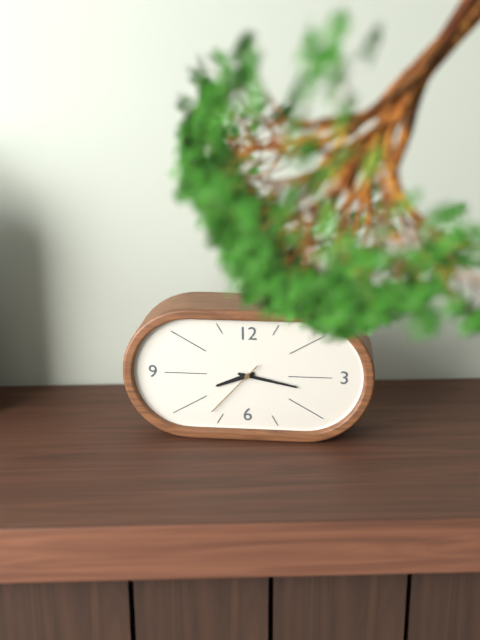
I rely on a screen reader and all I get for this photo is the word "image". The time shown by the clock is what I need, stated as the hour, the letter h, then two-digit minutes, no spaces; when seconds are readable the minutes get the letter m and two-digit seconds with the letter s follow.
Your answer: 8h17m37s
